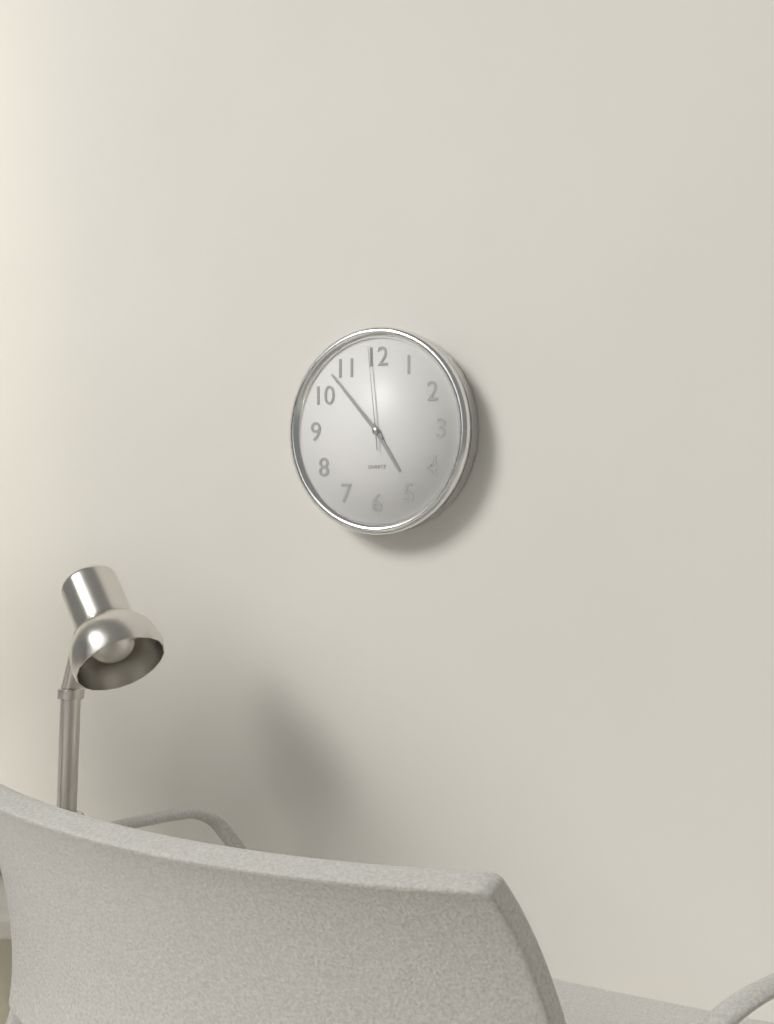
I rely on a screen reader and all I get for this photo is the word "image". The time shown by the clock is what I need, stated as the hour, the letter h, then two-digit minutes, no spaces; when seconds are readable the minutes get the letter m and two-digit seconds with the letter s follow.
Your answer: 4h53m59s
